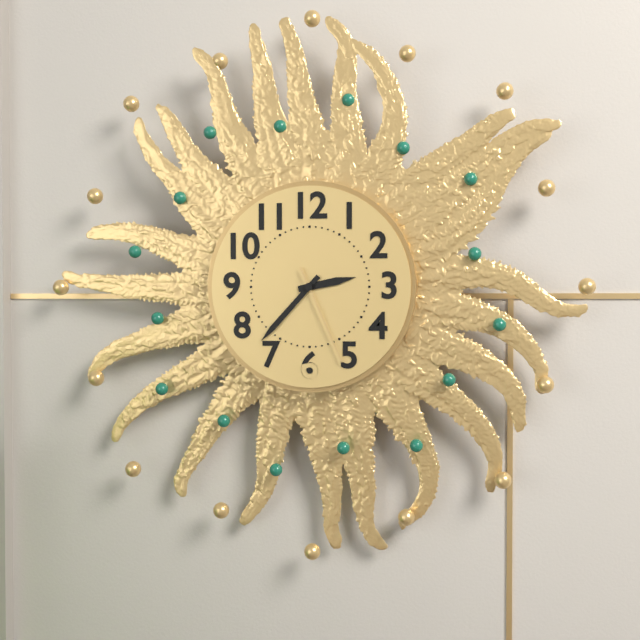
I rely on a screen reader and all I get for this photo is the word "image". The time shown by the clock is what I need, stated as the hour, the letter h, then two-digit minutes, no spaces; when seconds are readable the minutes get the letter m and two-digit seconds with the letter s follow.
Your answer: 2h37m26s
